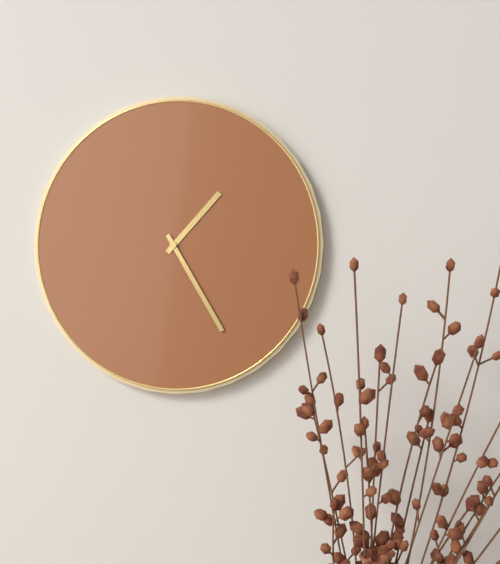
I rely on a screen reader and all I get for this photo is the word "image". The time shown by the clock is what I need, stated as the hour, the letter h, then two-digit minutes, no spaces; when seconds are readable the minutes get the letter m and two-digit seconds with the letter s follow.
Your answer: 1h25
